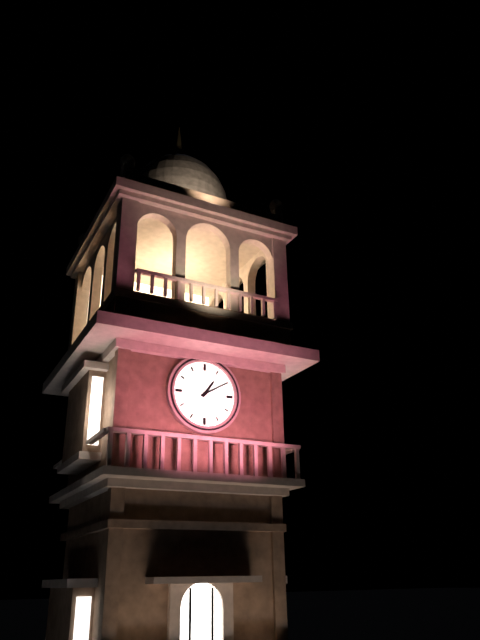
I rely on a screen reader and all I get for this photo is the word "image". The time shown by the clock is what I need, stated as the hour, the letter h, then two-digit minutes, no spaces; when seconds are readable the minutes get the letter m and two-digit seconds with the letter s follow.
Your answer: 1h10
